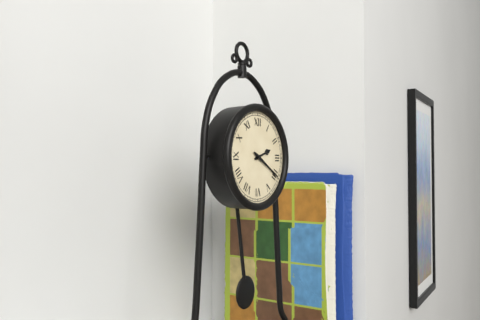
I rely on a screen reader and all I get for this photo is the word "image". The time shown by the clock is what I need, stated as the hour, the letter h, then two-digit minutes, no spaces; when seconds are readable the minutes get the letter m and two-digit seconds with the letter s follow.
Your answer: 2h20
